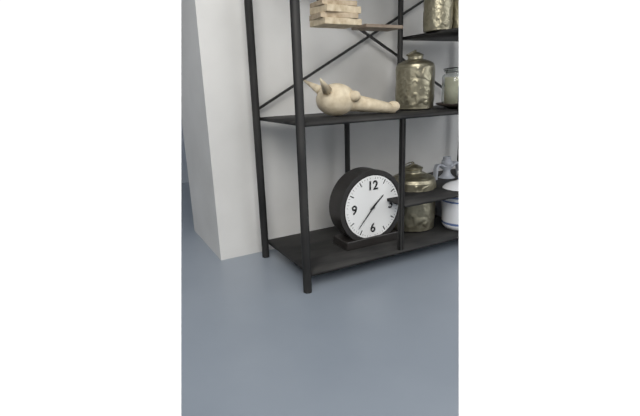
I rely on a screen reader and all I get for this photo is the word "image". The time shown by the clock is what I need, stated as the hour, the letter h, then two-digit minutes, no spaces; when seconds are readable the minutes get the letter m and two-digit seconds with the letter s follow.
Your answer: 1h37
